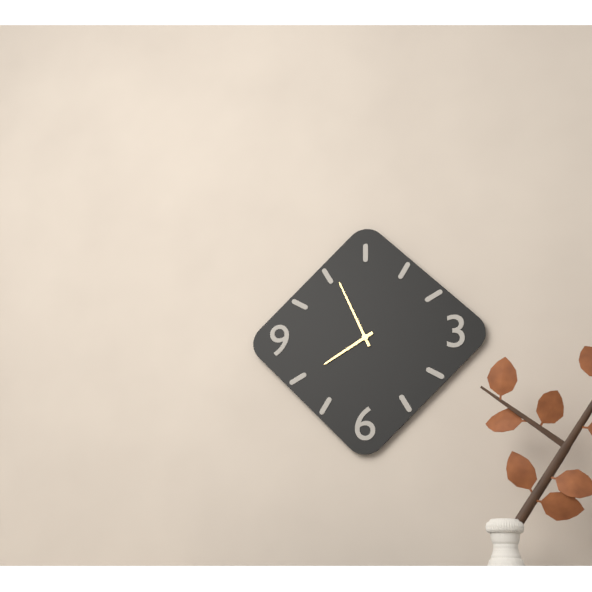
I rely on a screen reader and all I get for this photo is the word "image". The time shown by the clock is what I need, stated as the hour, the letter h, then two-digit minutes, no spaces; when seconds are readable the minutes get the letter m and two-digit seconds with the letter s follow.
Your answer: 7h56
